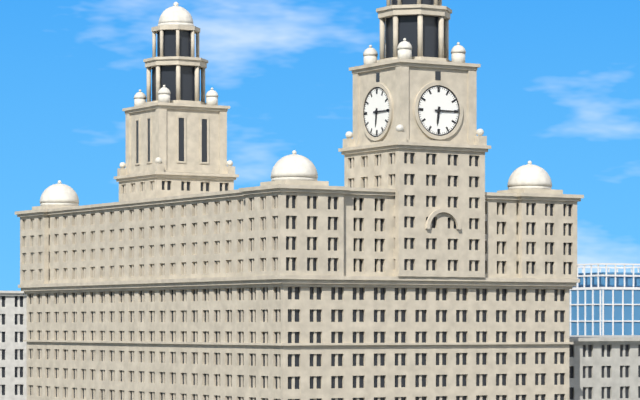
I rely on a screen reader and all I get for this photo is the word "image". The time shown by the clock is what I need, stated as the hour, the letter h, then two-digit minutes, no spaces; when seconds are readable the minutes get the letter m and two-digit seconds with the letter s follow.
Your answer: 6h15
